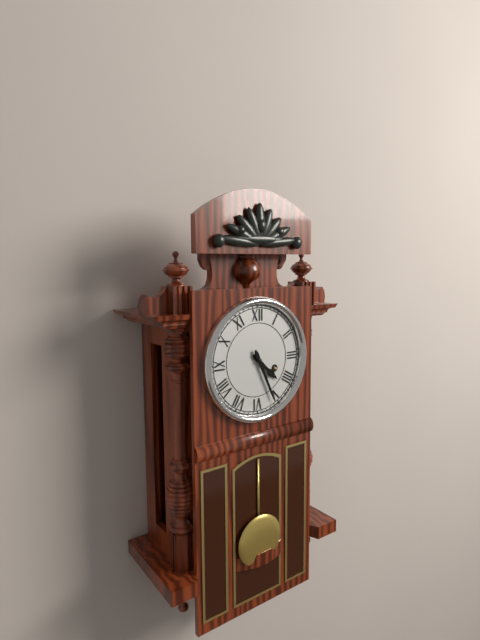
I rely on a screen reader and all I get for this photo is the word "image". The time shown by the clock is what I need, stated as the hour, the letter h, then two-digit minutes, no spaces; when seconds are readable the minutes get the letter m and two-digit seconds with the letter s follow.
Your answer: 4h26
